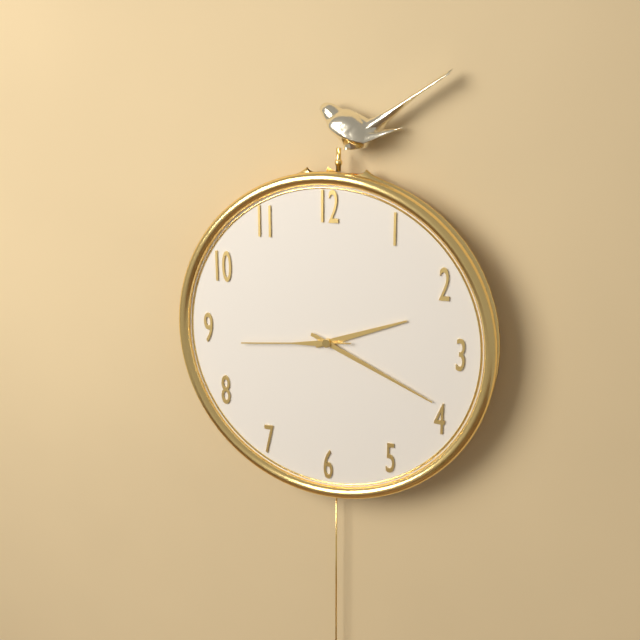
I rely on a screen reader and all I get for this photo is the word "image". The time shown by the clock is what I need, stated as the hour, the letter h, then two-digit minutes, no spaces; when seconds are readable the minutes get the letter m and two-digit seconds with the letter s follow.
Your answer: 2h19m44s
